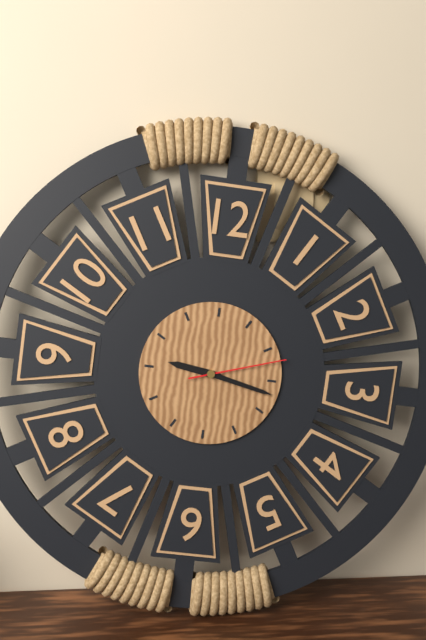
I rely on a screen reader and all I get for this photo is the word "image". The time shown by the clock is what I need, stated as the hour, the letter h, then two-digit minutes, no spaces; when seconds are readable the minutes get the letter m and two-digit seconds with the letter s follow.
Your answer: 9h17m12s
